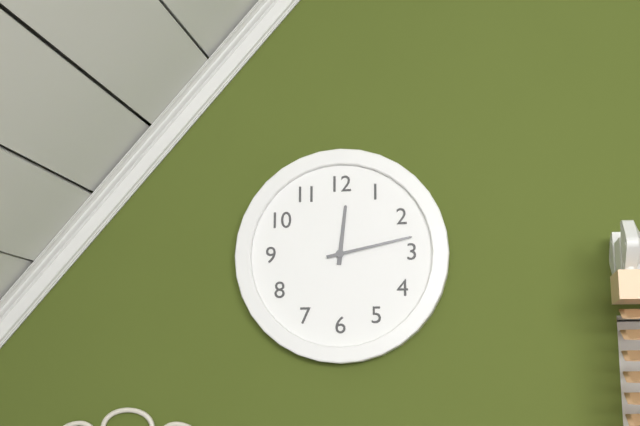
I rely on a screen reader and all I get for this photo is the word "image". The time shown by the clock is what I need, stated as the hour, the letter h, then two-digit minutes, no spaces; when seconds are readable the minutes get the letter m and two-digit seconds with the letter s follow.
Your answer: 12h13
